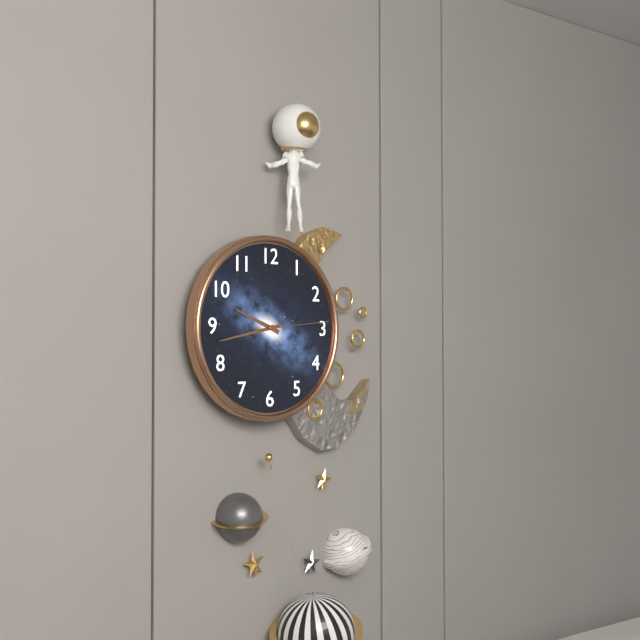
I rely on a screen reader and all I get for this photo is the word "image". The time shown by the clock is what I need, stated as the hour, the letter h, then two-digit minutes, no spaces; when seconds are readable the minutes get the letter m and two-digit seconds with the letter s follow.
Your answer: 9h43m14s
